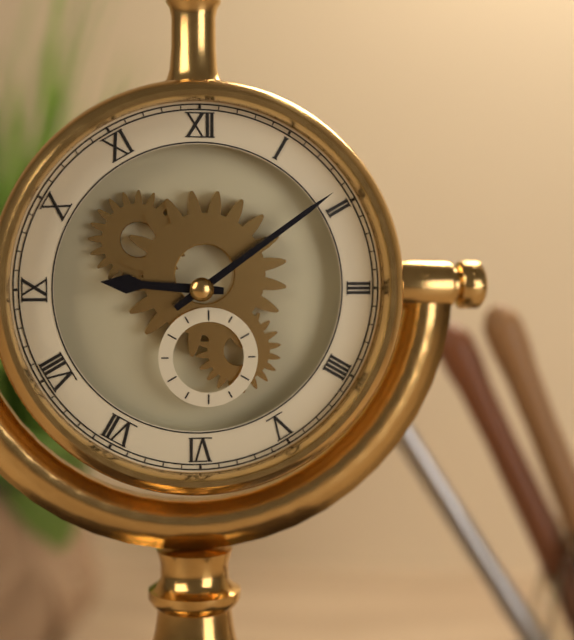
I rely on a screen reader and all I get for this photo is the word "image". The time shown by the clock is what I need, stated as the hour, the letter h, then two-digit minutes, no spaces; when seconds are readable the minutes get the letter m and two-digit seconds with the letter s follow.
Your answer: 9h09
